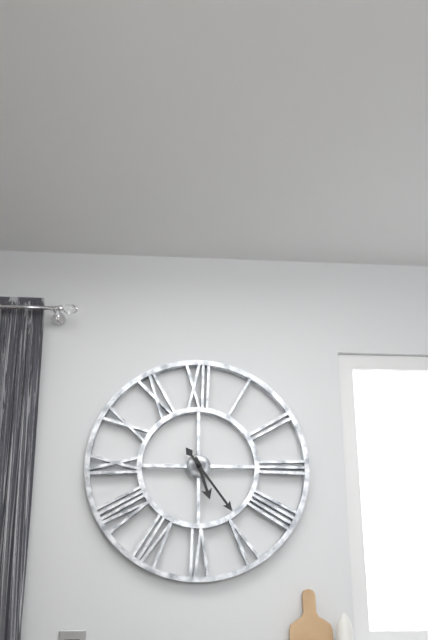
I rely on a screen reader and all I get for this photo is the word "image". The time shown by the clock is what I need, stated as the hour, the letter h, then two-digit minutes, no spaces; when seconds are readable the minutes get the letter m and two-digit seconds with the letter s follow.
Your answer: 5h24
